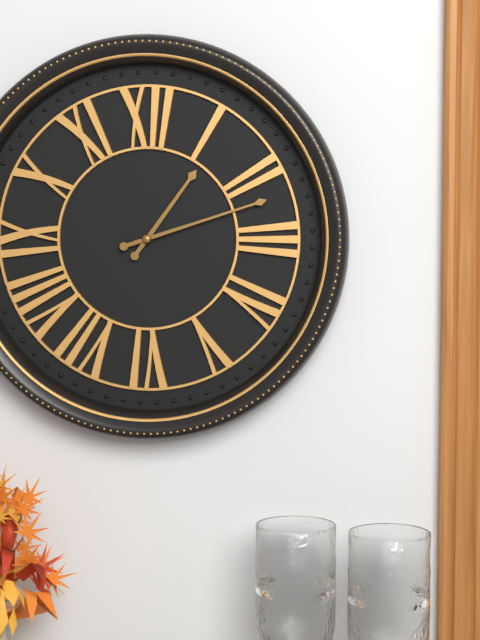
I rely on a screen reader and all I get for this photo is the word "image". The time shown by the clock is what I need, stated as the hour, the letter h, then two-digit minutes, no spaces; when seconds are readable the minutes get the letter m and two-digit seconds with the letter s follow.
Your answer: 1h12
